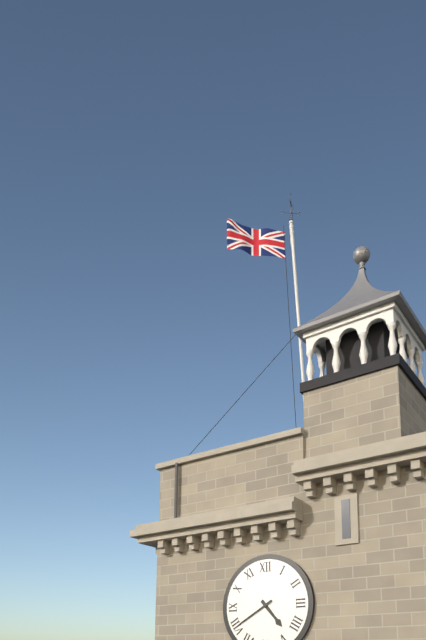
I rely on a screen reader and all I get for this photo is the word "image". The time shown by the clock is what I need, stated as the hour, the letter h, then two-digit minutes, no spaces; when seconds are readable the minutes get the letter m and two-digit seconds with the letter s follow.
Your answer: 4h40
